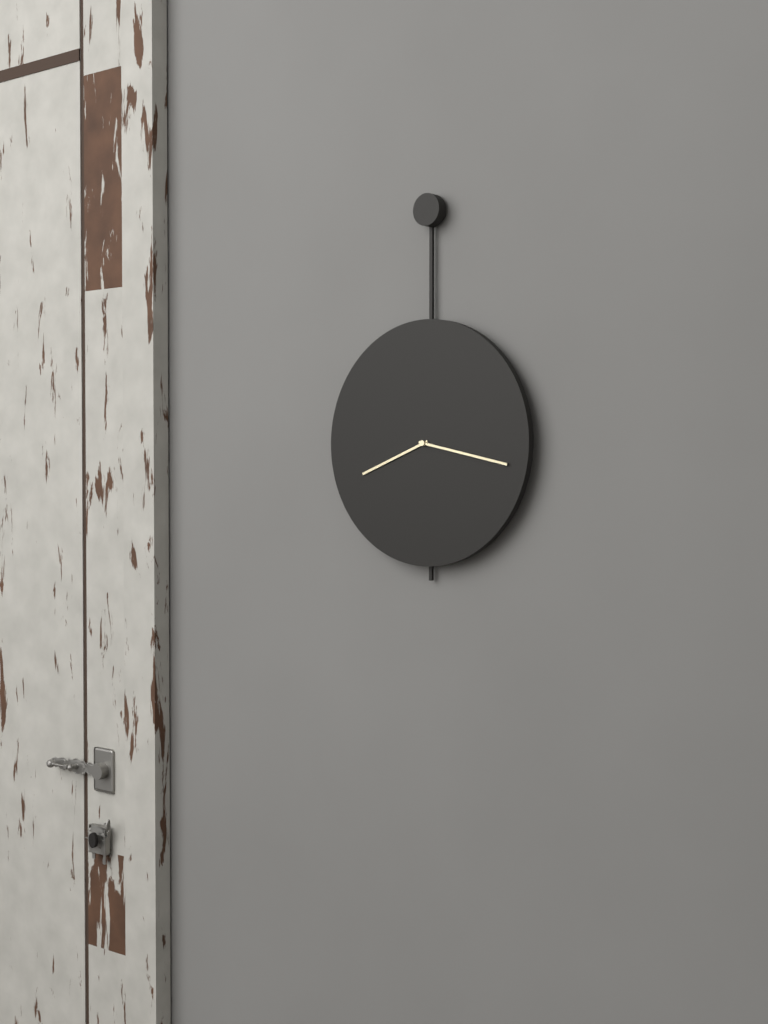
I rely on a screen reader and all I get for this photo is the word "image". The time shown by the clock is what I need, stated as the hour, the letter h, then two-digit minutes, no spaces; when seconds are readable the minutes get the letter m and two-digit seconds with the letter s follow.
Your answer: 8h17
